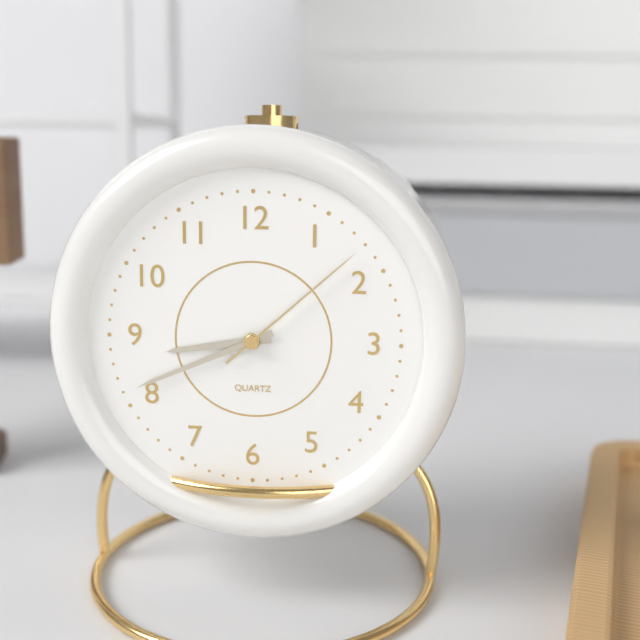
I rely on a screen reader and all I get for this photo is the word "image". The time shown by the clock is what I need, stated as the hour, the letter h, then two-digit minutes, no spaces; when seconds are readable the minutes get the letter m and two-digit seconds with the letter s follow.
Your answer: 8h41m08s
